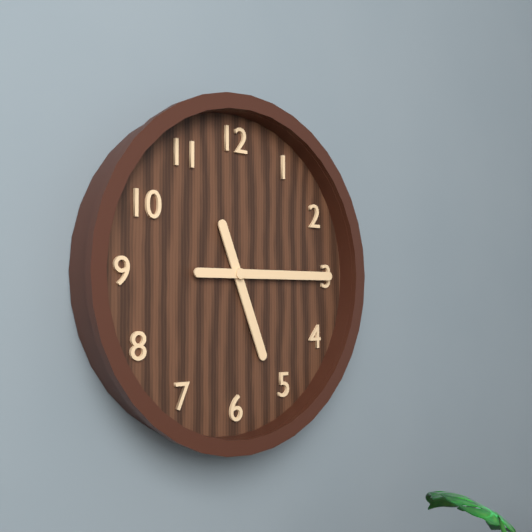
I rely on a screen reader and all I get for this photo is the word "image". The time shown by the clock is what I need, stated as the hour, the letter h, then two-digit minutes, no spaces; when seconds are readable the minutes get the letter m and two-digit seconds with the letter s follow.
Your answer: 5h15
